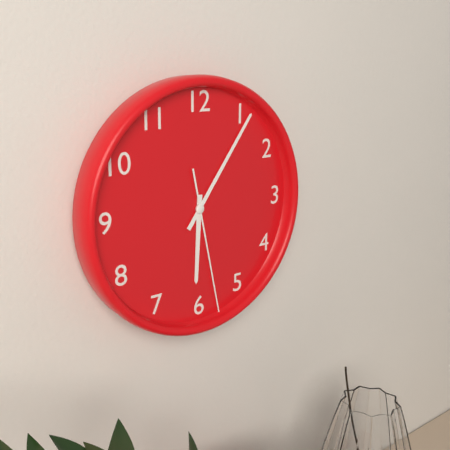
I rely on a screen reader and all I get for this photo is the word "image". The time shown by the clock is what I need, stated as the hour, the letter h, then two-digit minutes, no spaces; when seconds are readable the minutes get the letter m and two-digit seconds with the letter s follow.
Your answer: 6h06m28s
